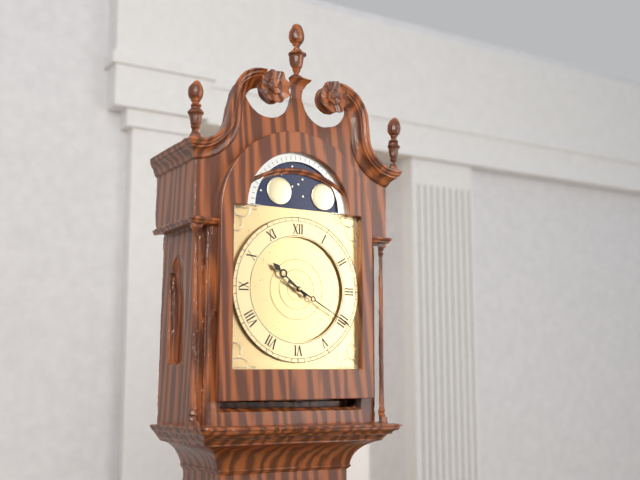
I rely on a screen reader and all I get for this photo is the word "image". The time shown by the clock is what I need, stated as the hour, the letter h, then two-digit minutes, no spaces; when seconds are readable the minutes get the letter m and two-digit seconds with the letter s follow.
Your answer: 10h20
